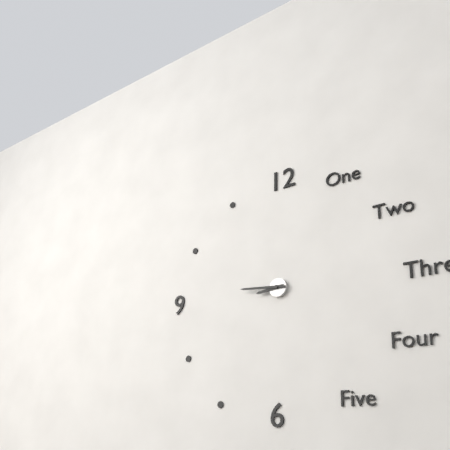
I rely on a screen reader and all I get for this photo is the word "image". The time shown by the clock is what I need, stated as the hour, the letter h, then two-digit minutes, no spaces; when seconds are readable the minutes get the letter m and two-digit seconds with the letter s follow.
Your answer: 8h46
